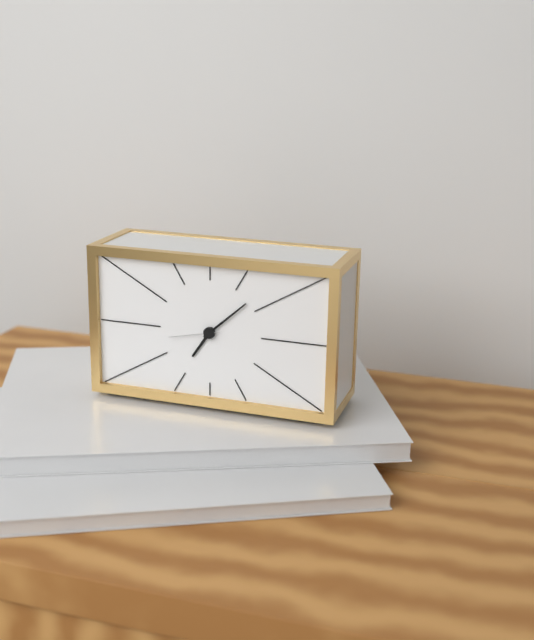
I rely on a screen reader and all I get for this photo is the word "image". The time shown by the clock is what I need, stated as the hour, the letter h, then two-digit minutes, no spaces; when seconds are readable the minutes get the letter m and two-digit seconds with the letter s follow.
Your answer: 7h08m43s
